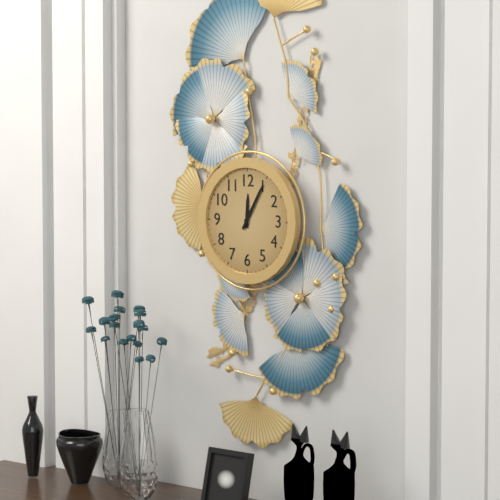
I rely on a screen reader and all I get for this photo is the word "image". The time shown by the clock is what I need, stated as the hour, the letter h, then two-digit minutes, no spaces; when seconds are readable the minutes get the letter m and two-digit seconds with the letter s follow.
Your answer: 12h05
